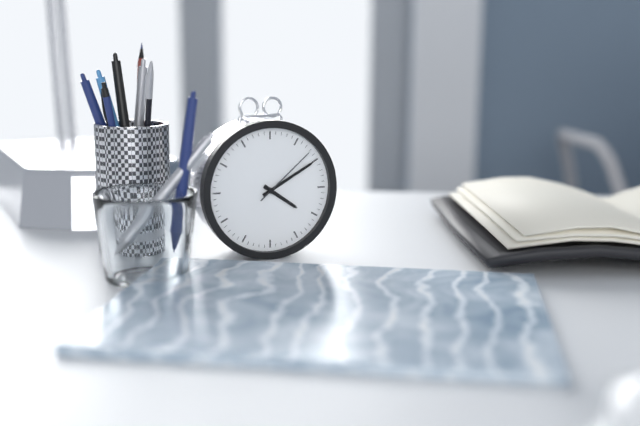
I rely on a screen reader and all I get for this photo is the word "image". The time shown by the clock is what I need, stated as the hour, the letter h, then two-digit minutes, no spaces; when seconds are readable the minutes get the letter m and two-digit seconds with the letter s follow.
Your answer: 4h10m08s
